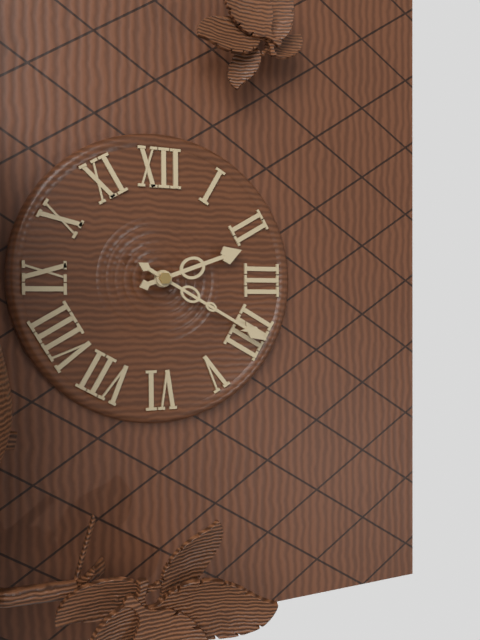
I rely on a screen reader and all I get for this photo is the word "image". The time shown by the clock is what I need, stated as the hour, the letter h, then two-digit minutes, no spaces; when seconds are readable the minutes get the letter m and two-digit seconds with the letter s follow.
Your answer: 2h20
